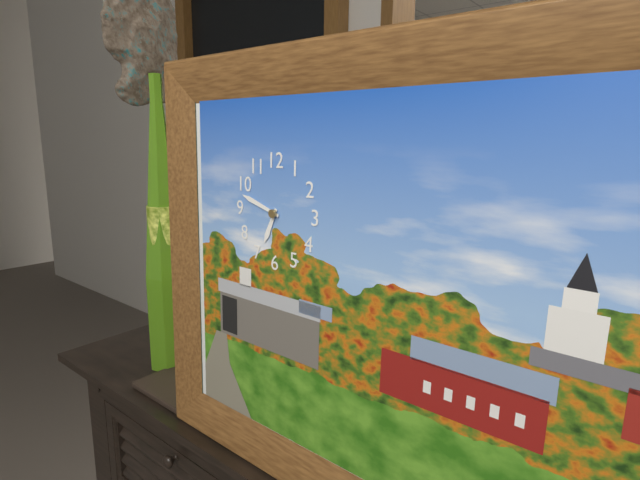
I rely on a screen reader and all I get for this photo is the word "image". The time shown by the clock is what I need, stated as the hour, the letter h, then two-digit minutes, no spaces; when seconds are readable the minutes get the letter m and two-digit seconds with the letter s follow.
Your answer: 6h48
